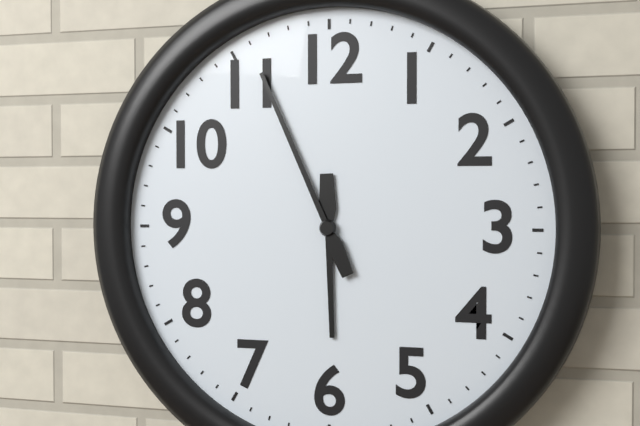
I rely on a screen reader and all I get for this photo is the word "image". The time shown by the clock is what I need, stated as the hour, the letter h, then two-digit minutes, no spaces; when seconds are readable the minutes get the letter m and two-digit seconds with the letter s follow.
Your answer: 5h56
